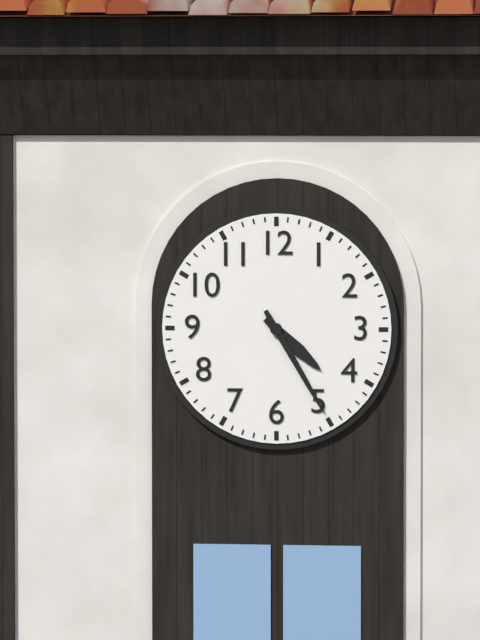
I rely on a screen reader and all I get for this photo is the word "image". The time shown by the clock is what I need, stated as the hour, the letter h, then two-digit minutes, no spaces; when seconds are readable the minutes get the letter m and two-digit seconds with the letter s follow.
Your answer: 4h25
